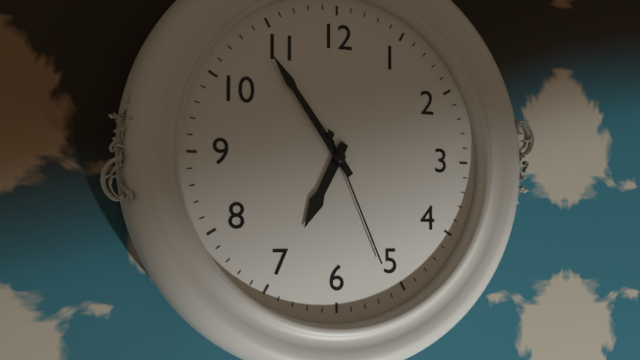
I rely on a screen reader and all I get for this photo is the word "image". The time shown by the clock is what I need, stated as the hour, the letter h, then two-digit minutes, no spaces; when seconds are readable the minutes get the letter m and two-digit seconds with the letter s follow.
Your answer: 6h54m26s
